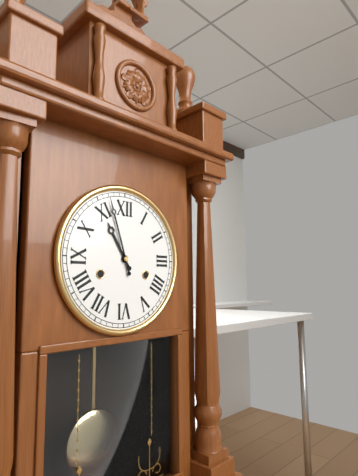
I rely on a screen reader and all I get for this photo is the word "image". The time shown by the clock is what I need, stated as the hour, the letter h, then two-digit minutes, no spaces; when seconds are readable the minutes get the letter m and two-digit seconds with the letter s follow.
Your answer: 10h57
